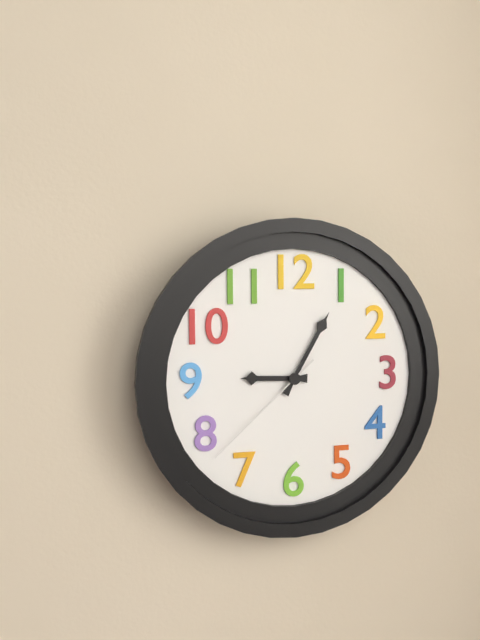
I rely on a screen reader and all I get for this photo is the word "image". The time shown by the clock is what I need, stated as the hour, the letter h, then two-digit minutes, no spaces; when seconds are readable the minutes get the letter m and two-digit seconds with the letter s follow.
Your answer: 9h05m38s
